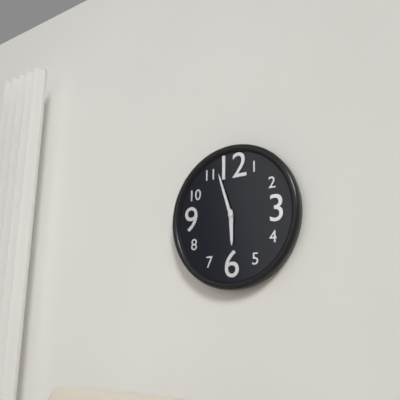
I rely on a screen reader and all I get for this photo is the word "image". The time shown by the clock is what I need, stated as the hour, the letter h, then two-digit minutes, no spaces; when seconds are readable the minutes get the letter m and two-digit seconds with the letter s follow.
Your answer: 5h57
